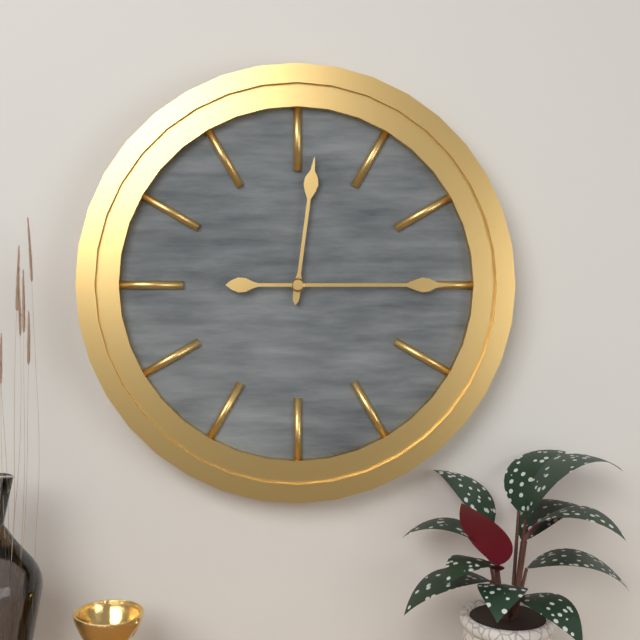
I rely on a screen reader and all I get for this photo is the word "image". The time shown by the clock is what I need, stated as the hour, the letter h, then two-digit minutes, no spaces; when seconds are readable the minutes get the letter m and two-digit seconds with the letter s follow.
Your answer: 12h15
